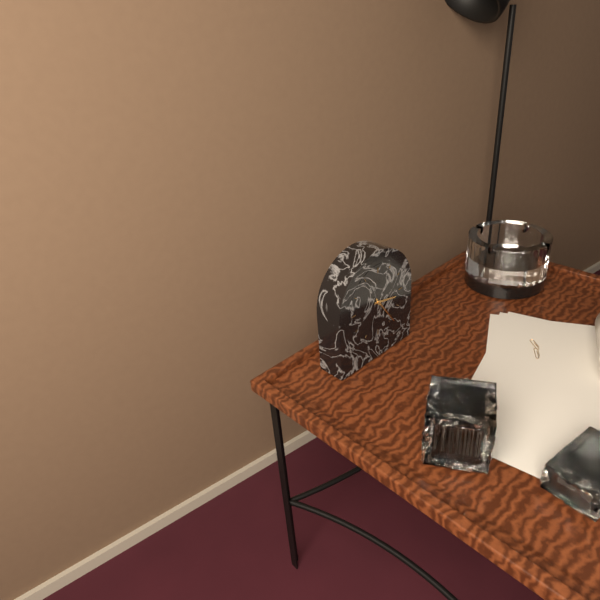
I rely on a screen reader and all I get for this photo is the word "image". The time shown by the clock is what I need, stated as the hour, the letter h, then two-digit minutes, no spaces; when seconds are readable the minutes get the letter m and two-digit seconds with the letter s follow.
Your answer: 3h24
